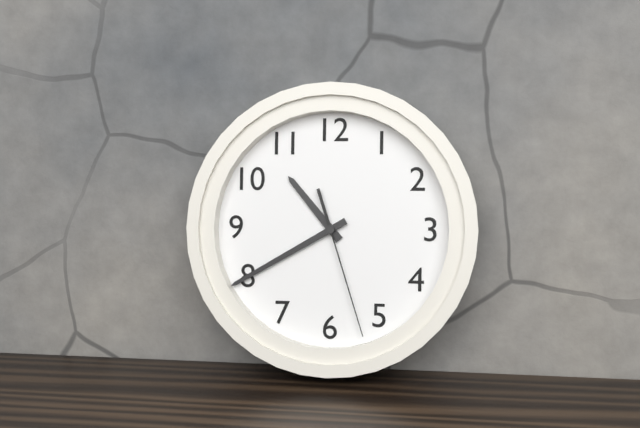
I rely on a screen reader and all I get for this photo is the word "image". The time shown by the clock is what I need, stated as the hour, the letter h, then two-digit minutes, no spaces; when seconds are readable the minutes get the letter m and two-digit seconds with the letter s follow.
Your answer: 10h40m27s
